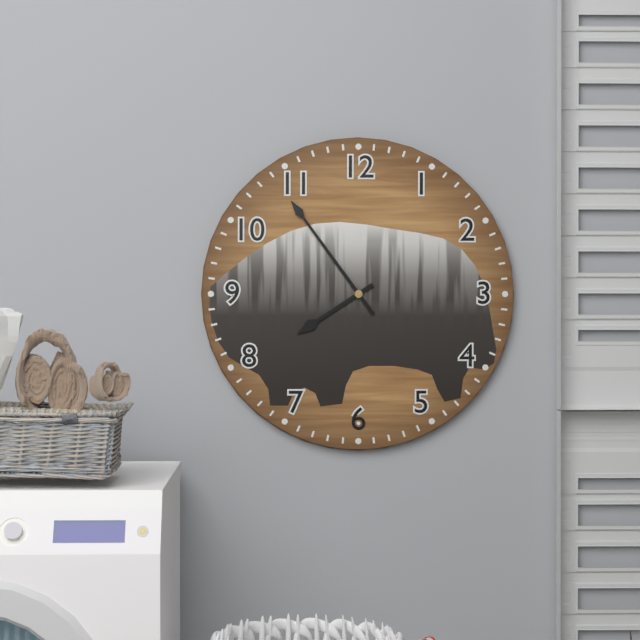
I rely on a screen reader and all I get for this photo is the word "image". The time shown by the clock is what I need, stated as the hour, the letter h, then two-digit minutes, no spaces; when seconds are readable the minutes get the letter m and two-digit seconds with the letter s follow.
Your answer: 7h54
